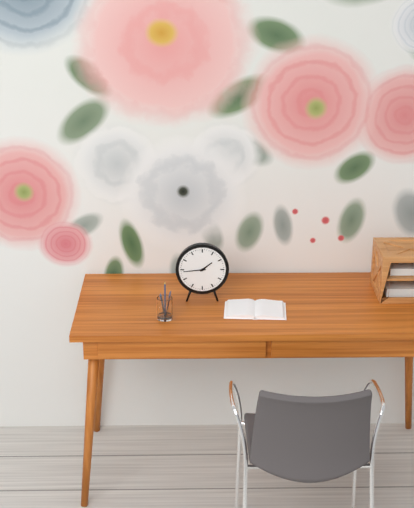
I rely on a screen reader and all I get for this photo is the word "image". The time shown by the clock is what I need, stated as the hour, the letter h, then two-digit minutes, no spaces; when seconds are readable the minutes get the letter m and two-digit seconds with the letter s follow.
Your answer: 1h44
